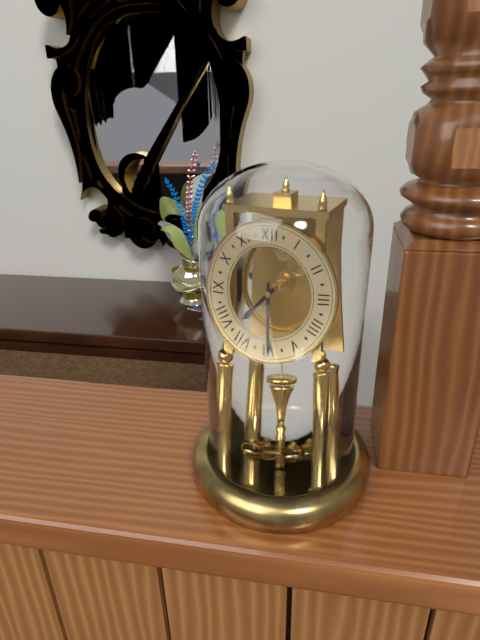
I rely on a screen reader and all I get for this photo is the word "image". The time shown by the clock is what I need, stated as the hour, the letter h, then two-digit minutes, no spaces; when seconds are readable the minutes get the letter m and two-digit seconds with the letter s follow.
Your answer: 7h30
